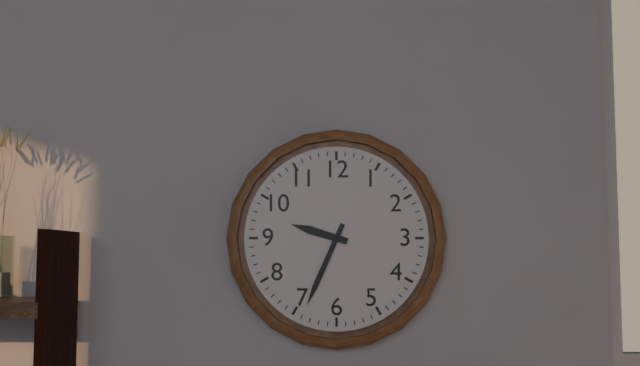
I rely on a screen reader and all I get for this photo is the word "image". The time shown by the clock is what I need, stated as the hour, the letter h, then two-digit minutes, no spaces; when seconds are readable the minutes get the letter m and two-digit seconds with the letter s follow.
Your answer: 9h34
